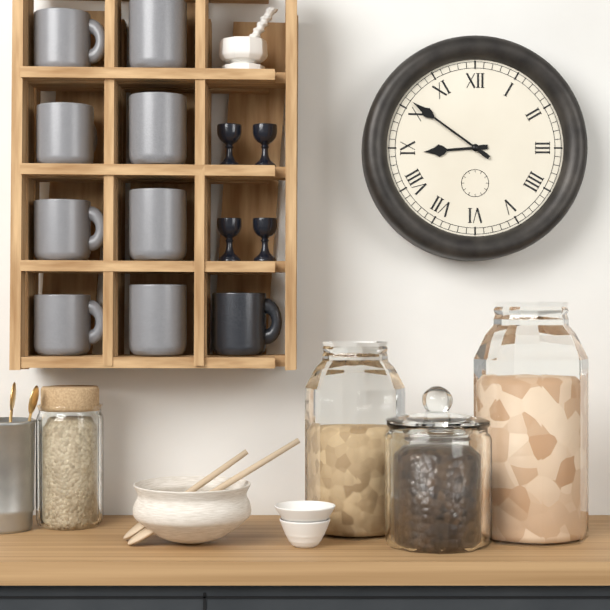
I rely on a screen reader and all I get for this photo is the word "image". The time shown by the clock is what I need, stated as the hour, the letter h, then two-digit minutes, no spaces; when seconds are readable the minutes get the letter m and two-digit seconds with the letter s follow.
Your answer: 8h51
